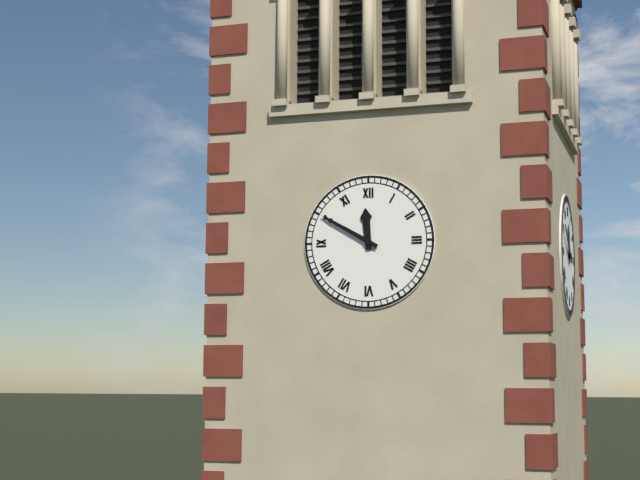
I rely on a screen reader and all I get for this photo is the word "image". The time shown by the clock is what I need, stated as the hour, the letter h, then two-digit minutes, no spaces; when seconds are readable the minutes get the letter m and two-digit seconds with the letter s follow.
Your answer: 11h50
